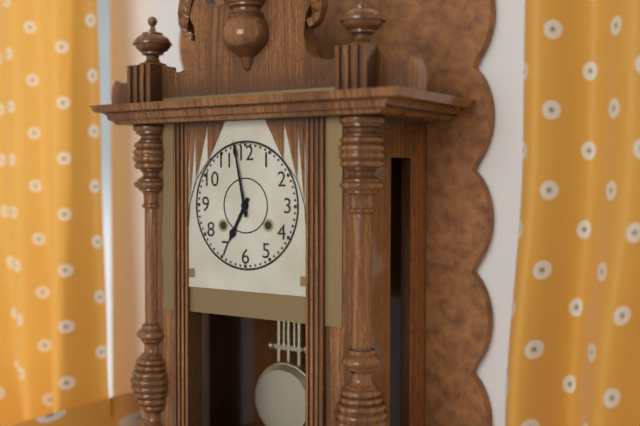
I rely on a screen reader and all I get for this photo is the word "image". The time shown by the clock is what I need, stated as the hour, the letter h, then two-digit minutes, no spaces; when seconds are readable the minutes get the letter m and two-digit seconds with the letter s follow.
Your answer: 6h58
